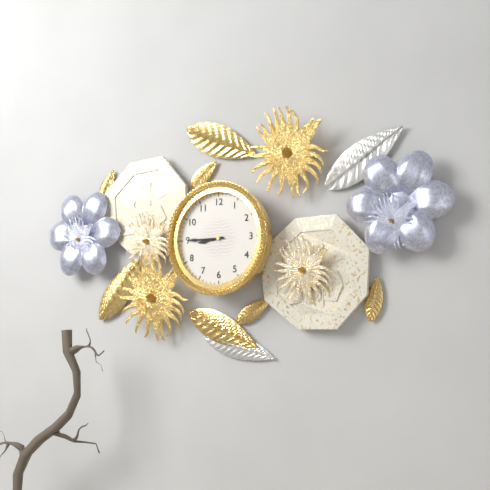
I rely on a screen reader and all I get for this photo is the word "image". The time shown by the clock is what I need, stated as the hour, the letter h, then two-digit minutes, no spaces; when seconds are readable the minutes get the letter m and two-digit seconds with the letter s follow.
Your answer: 8h45
